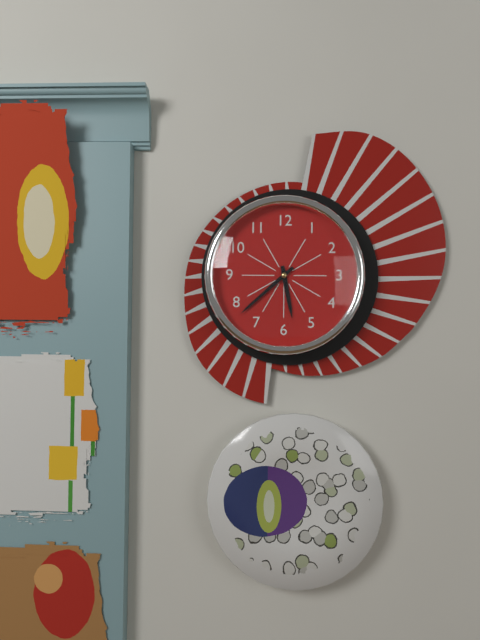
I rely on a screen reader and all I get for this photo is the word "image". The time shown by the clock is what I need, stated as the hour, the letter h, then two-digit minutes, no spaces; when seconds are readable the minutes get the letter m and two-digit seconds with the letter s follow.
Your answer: 5h38
